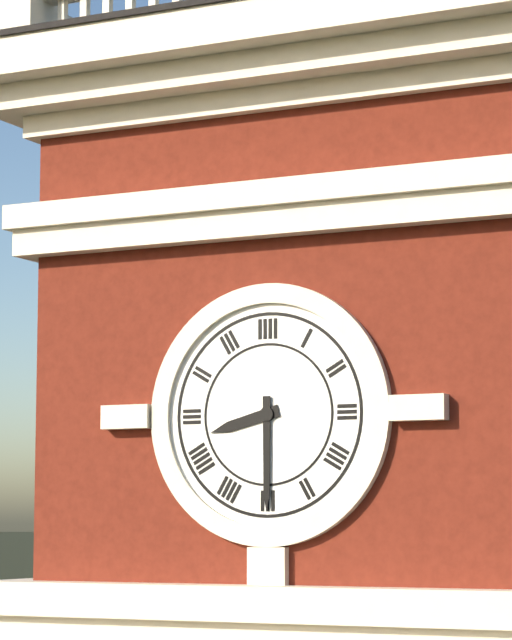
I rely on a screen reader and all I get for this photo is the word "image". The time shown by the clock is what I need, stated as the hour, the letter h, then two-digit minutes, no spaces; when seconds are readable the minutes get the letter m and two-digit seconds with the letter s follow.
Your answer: 8h30
